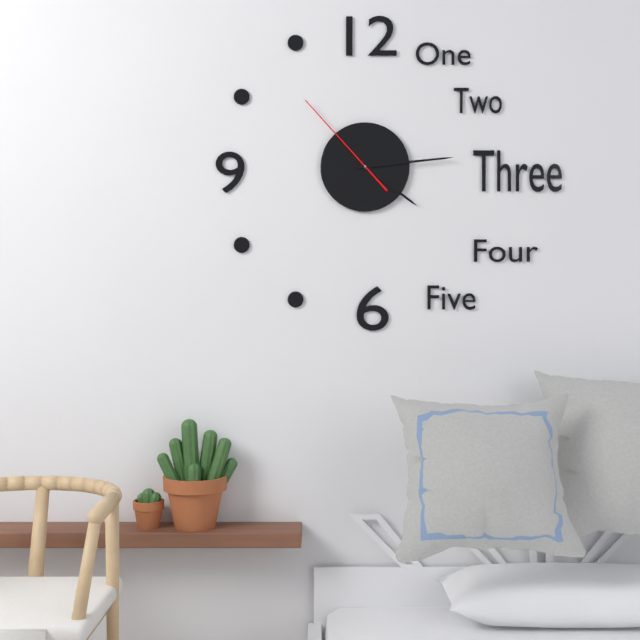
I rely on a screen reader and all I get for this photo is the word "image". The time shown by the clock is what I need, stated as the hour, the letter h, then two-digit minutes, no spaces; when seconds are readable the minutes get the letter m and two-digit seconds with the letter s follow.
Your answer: 4h14m53s
